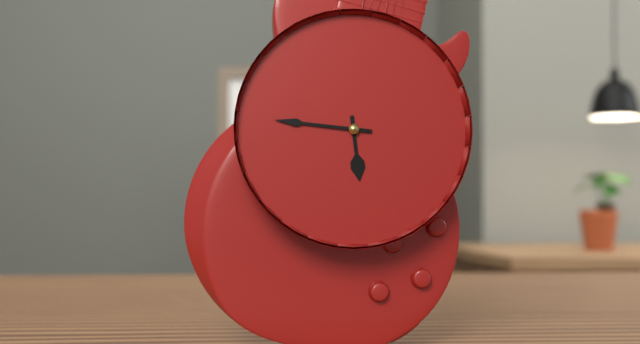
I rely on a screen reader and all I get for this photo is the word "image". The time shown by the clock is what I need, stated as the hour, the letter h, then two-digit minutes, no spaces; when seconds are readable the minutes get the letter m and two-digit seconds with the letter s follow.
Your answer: 5h46
